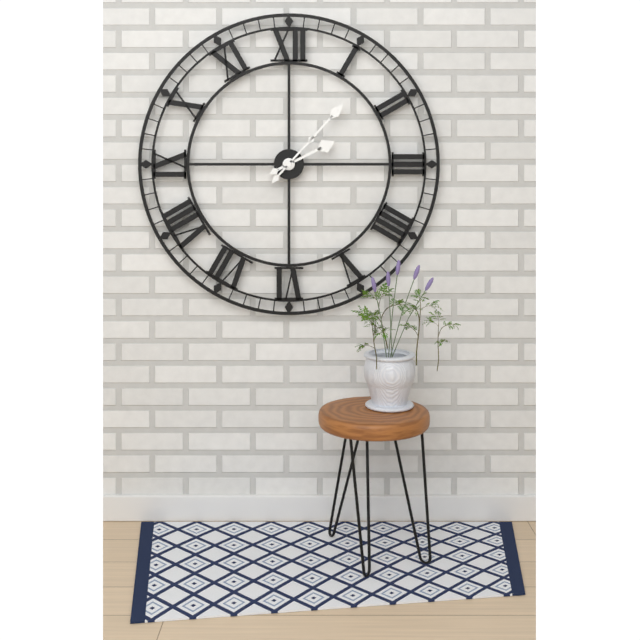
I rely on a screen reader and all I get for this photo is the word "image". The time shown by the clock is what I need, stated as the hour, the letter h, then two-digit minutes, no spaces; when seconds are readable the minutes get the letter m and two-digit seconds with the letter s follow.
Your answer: 2h07
